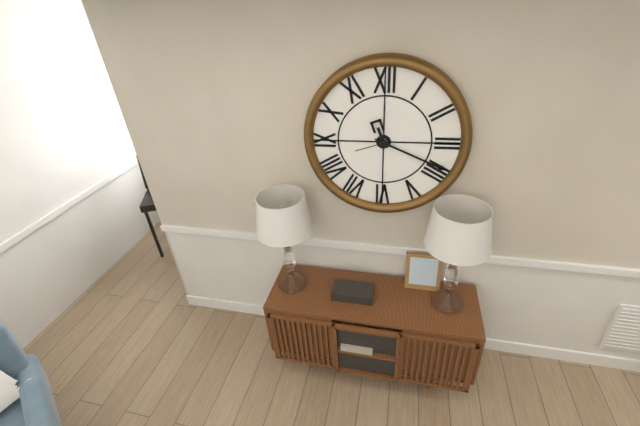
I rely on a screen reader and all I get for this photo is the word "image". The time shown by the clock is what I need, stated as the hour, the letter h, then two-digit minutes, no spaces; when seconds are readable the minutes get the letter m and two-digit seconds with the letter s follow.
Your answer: 11h19
